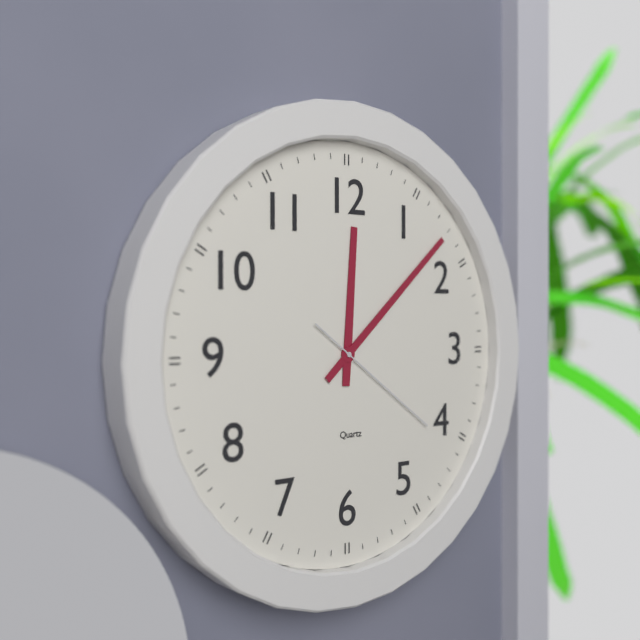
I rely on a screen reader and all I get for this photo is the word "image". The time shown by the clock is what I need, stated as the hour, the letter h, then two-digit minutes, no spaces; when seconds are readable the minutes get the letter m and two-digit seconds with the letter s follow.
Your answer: 12h08m21s
